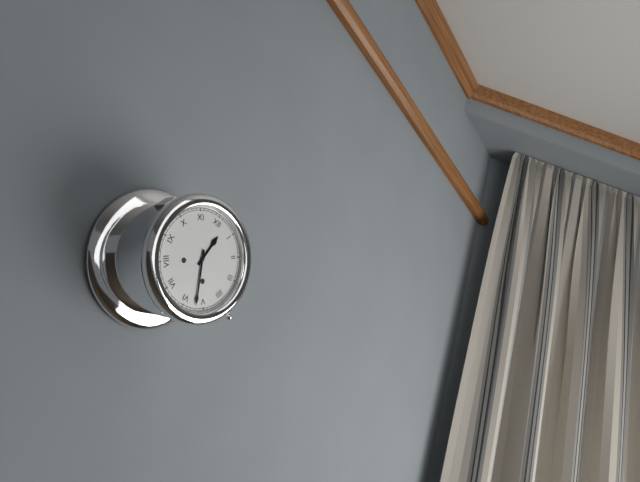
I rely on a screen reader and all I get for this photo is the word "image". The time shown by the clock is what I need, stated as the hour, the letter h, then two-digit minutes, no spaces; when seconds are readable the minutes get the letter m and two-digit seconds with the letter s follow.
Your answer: 12h27
